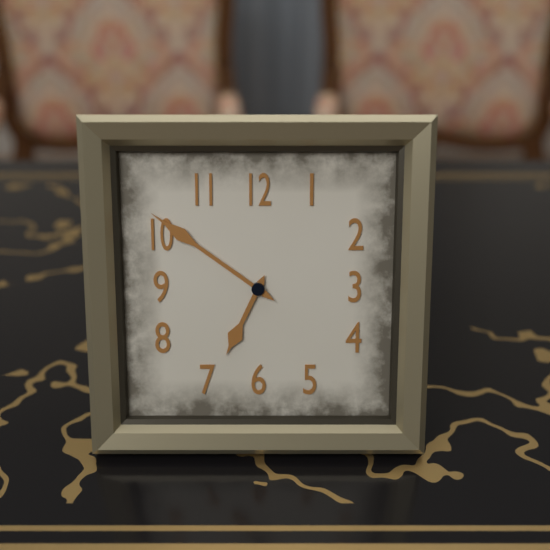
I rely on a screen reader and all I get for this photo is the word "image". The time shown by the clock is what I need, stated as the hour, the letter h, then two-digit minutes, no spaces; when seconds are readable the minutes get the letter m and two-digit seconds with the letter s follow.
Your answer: 6h51
